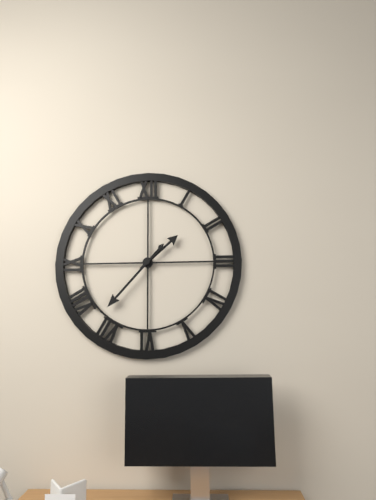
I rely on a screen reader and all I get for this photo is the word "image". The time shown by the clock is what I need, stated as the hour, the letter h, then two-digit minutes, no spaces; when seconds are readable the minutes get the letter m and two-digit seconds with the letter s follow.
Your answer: 1h37
